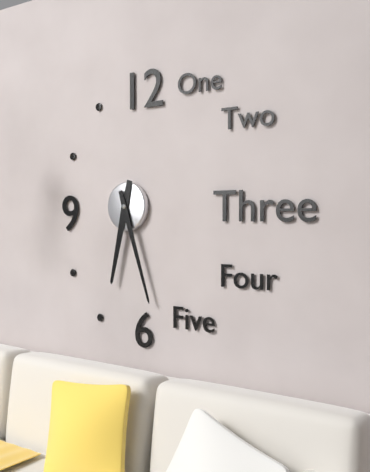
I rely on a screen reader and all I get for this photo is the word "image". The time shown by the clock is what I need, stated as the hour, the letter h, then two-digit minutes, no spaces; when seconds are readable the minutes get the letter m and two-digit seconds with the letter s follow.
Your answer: 6h27
